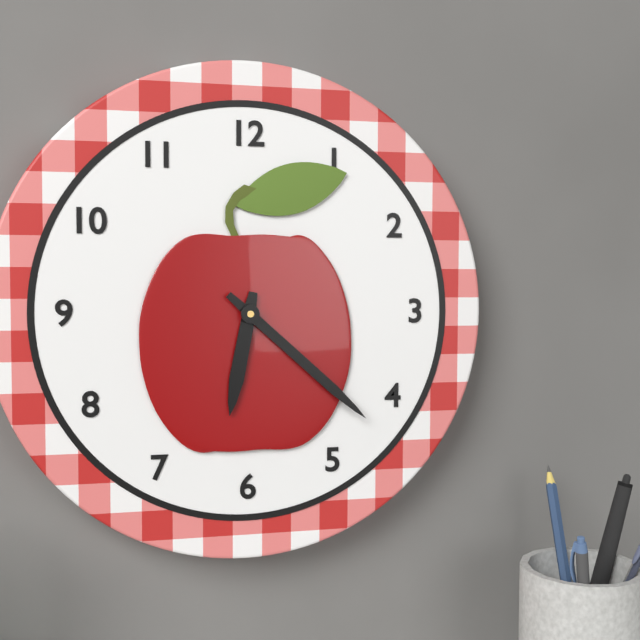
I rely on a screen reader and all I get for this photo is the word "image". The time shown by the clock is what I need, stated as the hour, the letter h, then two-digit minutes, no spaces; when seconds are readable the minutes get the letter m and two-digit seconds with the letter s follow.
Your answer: 6h22
